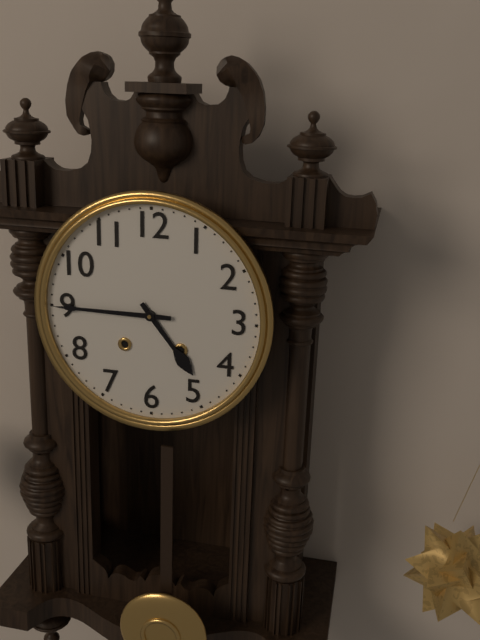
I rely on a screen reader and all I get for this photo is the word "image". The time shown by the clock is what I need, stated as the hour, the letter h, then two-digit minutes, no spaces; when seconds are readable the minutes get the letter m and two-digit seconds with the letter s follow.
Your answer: 4h45
